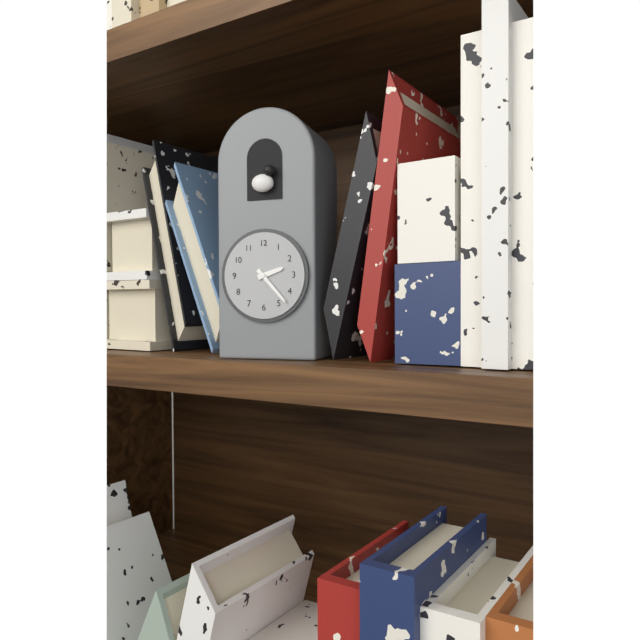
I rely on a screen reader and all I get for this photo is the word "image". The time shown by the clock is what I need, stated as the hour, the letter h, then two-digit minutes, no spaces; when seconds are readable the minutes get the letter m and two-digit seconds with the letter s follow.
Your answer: 2h23
